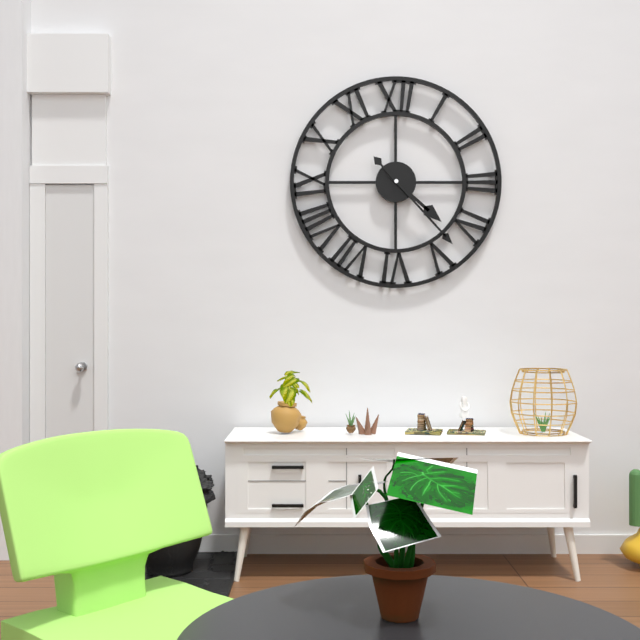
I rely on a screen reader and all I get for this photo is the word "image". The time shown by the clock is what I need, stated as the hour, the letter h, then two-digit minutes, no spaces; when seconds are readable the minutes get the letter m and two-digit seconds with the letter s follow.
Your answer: 4h23
